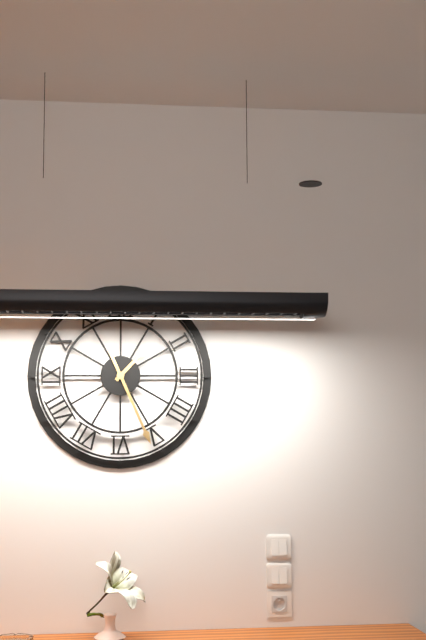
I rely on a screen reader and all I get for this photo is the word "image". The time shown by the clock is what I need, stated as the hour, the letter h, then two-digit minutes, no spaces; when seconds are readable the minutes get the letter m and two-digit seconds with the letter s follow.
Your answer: 1h26
